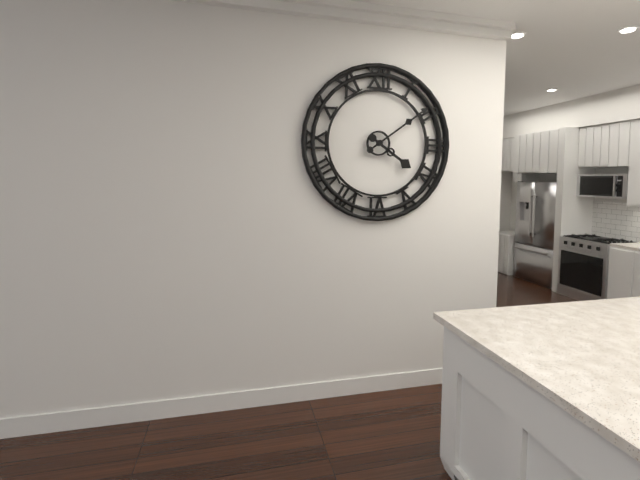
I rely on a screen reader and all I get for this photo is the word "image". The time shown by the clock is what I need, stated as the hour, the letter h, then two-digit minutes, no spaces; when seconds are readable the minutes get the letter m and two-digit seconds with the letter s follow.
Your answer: 4h09
